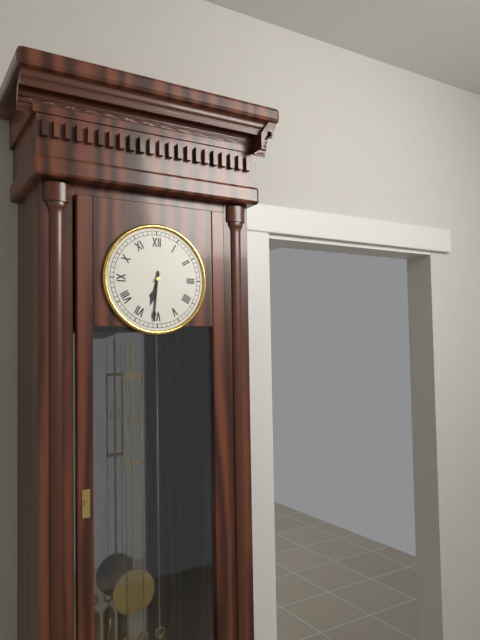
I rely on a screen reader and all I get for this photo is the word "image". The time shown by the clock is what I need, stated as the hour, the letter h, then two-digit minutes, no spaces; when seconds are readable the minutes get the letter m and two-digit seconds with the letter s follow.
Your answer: 6h31
